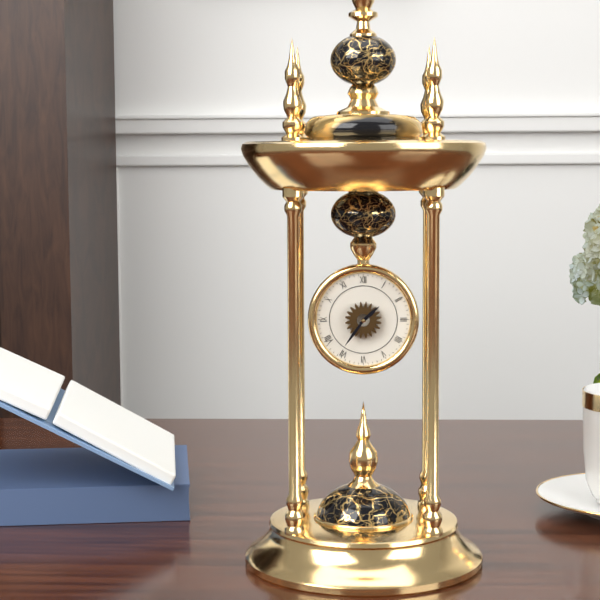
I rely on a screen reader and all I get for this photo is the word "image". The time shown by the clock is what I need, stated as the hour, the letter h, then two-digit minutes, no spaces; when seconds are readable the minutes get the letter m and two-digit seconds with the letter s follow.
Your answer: 1h36
